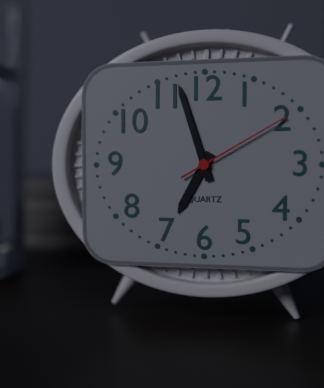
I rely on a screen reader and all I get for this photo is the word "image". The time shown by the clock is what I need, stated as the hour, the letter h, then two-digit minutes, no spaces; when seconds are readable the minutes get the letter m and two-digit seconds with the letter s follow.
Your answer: 6h57m10s
